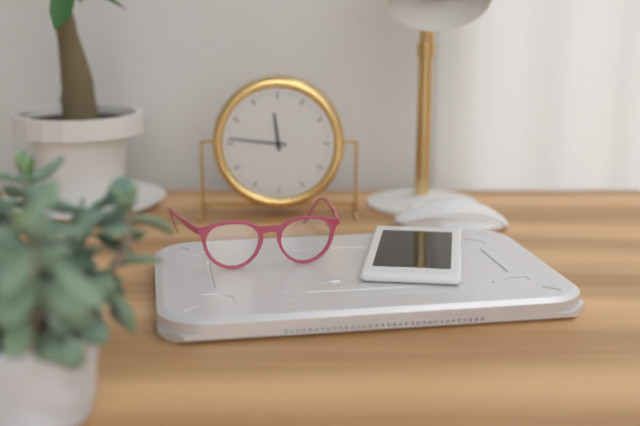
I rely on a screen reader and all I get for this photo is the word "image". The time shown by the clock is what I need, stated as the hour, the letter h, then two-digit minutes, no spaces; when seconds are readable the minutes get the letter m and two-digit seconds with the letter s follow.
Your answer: 11h46
